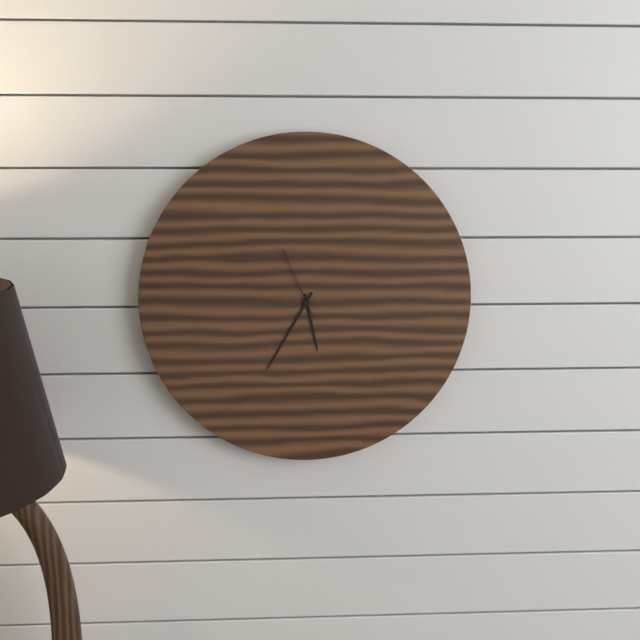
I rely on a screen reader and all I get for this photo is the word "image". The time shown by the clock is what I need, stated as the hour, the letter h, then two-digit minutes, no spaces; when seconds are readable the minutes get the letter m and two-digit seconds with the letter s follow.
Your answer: 5h35m56s
